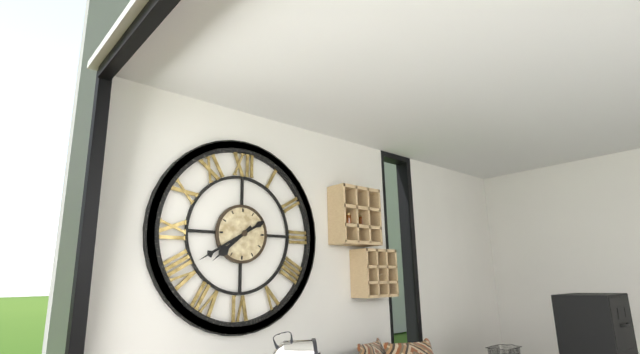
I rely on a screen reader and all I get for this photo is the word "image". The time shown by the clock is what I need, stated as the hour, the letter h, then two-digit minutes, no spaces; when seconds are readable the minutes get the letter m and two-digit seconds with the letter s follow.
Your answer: 7h40
